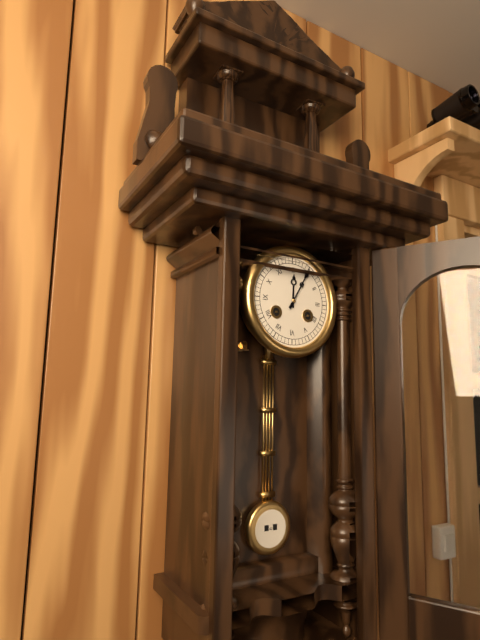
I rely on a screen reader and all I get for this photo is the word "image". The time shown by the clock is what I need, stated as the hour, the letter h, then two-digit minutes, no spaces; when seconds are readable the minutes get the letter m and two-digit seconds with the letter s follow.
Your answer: 12h05
